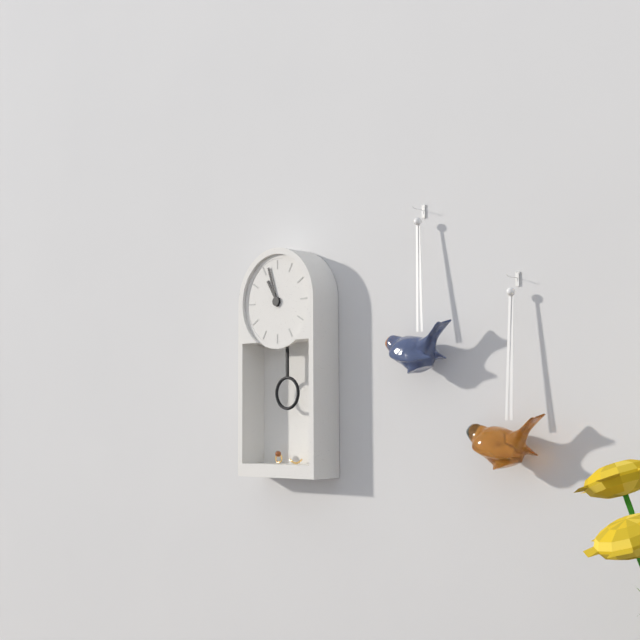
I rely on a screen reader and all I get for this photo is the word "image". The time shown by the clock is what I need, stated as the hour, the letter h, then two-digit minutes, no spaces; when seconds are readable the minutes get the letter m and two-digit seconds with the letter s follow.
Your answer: 10h57
